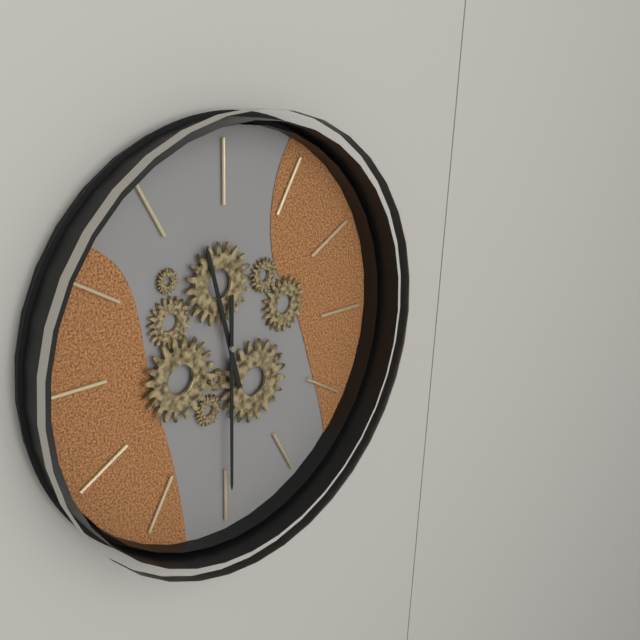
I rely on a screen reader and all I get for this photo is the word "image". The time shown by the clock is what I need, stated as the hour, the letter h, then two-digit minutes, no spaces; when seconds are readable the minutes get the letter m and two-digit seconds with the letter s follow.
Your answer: 11h30
